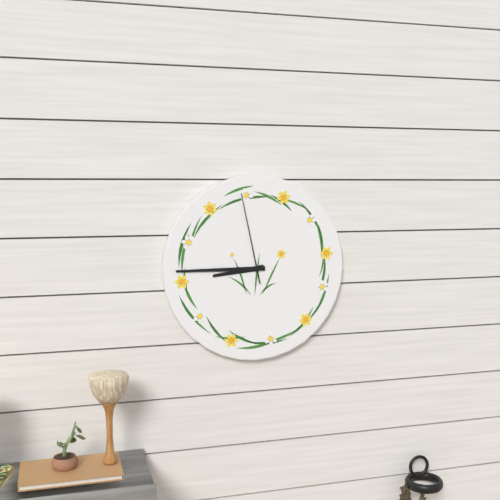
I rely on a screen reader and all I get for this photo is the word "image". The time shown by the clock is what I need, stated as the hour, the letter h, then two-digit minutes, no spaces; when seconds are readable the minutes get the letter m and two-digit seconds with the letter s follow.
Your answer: 8h45m58s
